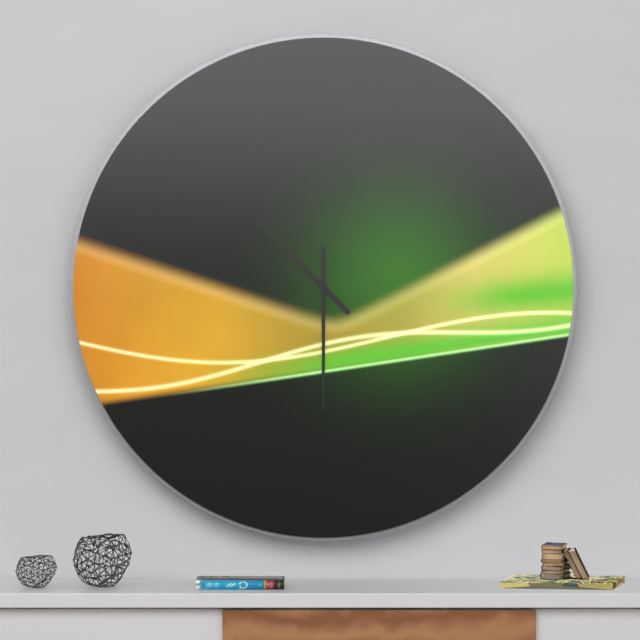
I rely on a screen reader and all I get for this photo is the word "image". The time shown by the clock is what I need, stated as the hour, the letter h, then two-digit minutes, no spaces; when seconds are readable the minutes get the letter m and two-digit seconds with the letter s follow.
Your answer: 10h30
